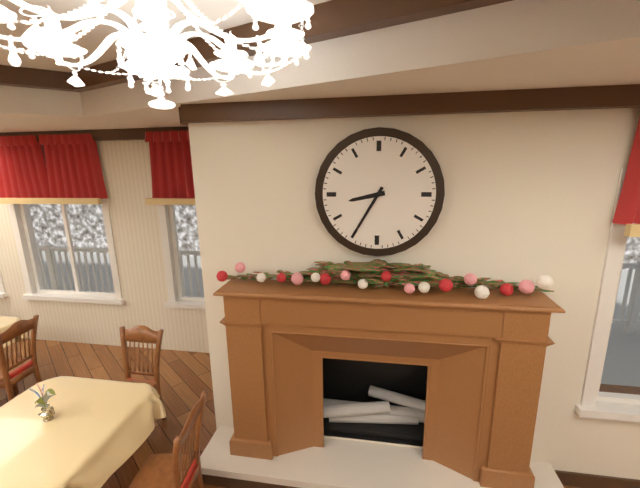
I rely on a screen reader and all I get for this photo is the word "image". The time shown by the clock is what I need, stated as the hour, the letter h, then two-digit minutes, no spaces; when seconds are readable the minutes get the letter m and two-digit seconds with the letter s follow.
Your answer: 8h35
